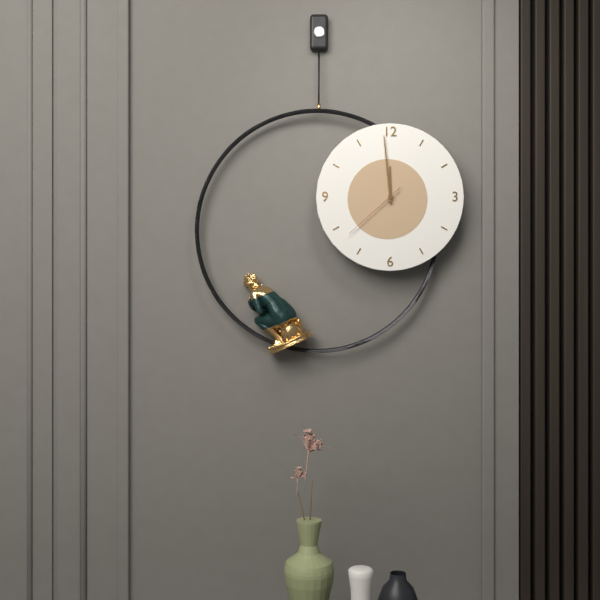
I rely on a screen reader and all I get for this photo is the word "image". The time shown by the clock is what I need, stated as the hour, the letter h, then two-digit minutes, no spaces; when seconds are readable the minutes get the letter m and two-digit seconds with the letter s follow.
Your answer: 11h59m38s
